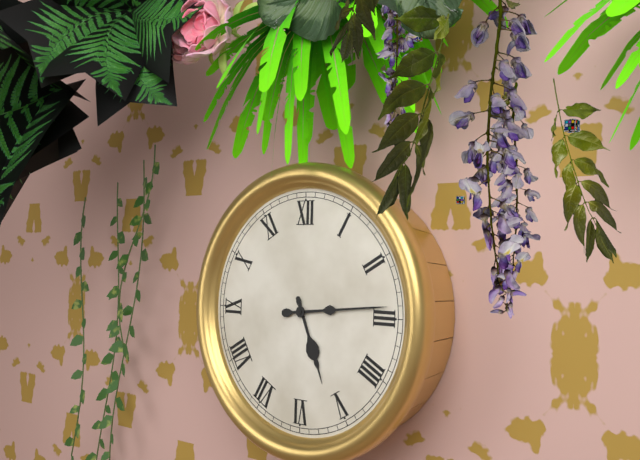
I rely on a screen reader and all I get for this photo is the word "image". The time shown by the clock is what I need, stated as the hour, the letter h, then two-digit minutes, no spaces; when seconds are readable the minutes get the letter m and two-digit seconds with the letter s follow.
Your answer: 5h14
